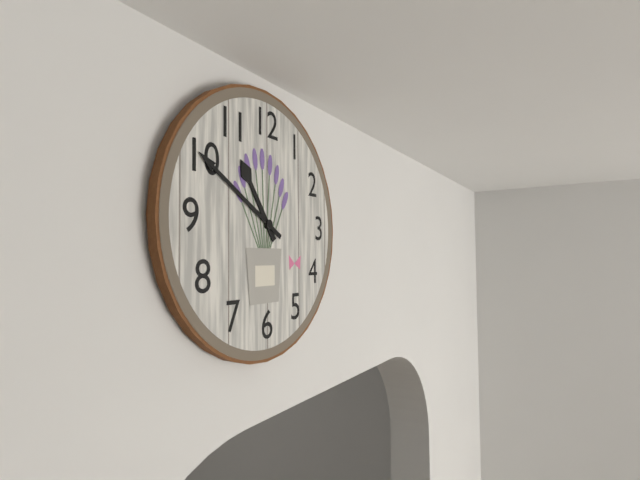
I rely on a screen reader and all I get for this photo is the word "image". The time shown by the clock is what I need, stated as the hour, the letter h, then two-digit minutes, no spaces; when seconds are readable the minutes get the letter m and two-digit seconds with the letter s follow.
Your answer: 10h50
